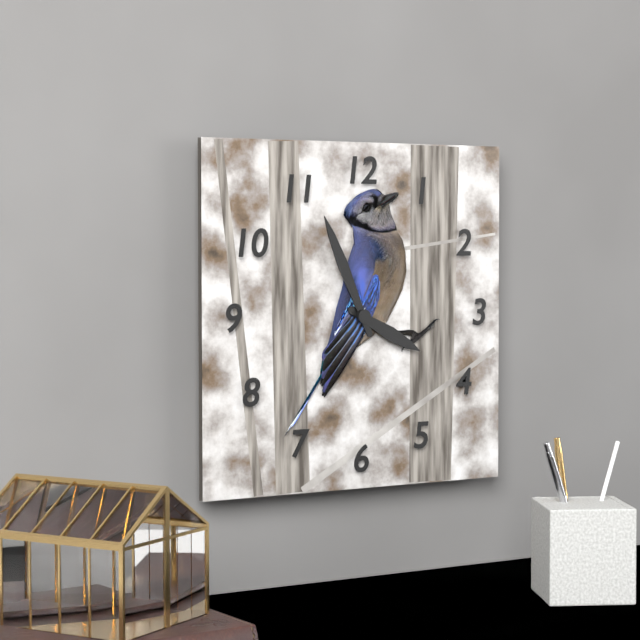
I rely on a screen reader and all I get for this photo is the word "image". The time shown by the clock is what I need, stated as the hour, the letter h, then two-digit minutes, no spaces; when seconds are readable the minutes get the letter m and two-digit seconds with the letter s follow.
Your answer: 3h56
